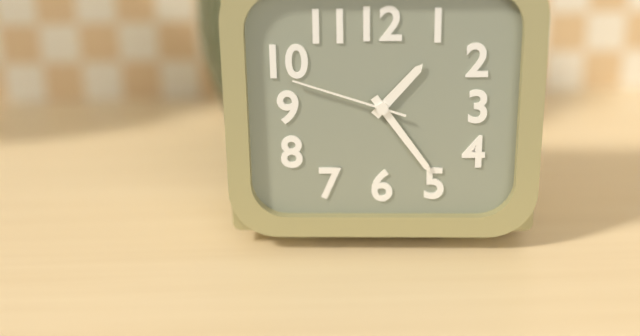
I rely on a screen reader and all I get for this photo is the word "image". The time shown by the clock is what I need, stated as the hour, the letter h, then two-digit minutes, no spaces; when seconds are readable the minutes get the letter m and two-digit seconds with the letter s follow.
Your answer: 1h24m48s
